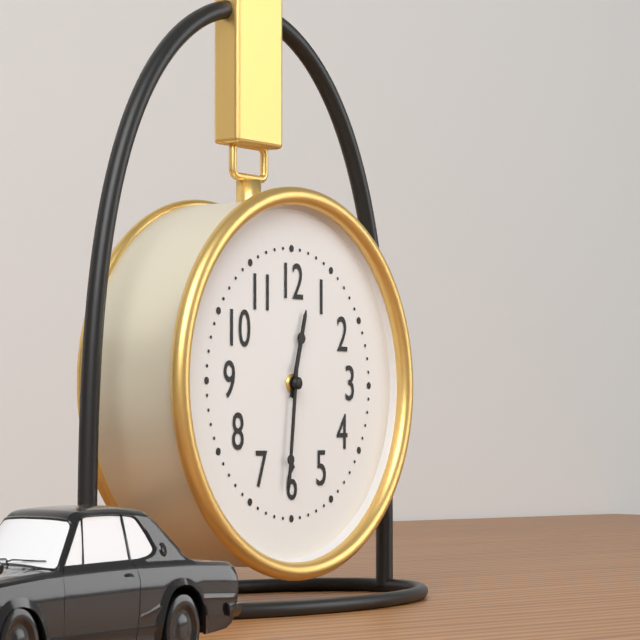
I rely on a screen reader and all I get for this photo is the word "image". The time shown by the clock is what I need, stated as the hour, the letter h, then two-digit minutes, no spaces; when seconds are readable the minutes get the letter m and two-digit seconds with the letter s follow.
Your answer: 12h31
